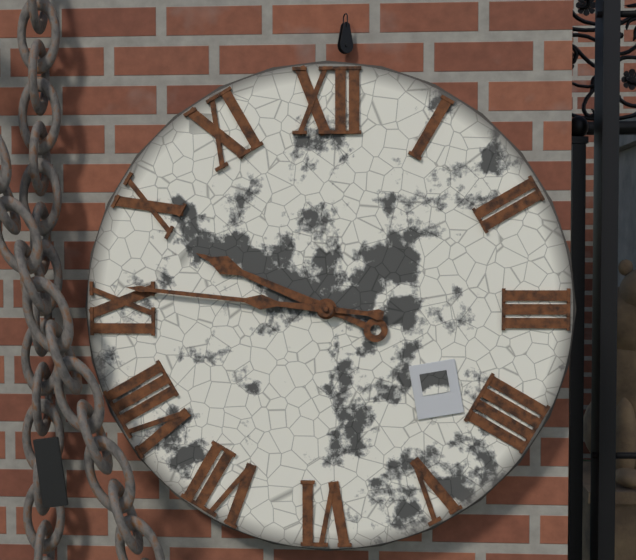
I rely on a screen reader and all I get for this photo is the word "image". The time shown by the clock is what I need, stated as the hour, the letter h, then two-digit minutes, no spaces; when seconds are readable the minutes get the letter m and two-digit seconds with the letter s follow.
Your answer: 9h46
